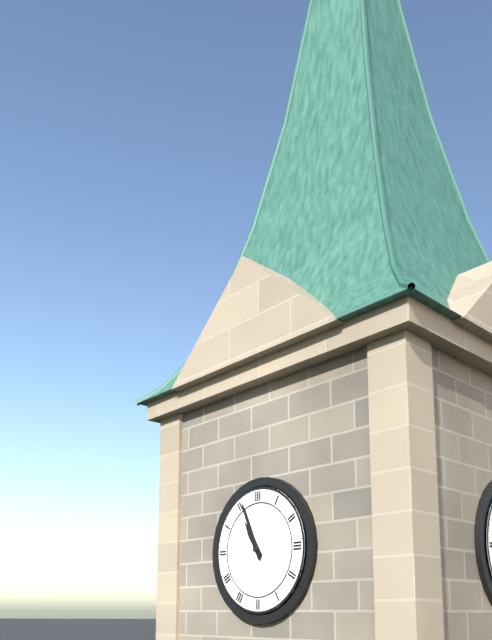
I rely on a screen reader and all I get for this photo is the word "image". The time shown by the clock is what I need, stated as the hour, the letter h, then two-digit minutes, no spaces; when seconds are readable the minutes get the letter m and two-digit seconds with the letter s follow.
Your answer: 10h56
